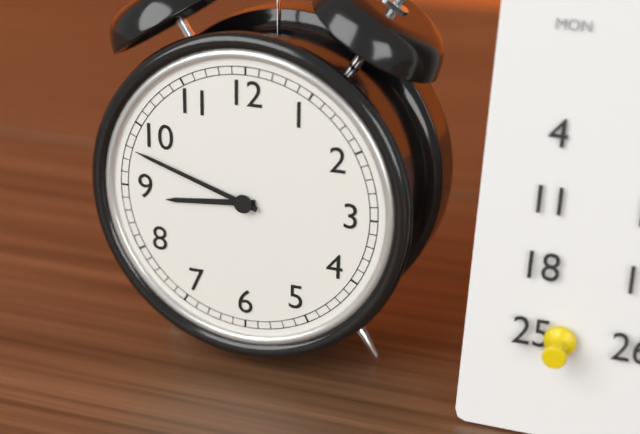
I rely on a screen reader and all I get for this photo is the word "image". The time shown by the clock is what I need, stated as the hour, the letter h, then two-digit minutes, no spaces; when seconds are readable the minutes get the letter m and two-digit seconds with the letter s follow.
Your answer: 8h48
